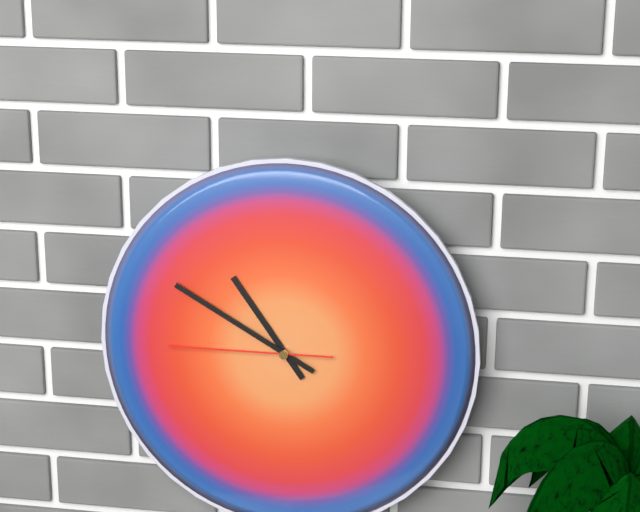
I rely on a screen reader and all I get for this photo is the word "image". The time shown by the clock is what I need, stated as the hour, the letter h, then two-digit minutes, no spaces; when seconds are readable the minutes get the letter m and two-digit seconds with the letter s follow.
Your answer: 10h50m45s
